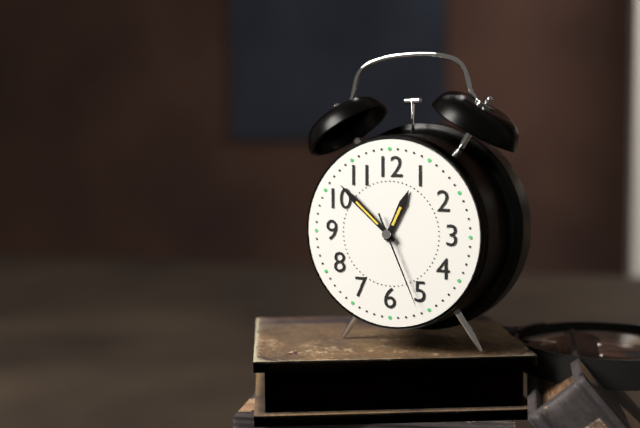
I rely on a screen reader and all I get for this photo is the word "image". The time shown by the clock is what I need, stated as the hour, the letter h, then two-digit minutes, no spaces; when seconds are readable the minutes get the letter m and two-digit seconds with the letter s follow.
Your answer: 12h52m26s
